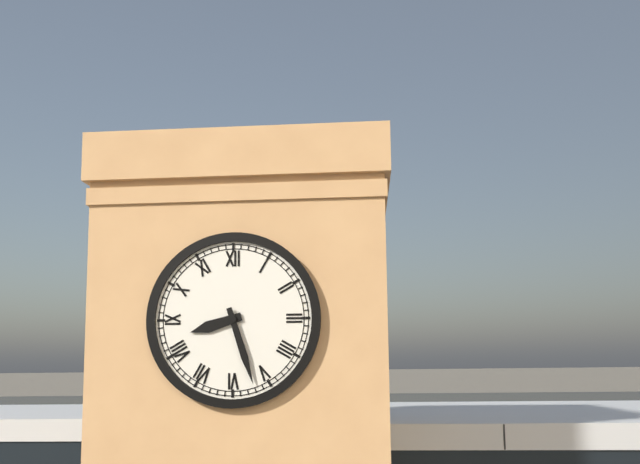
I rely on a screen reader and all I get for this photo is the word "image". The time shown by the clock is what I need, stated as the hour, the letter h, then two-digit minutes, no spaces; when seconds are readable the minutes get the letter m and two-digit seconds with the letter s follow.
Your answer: 8h27
